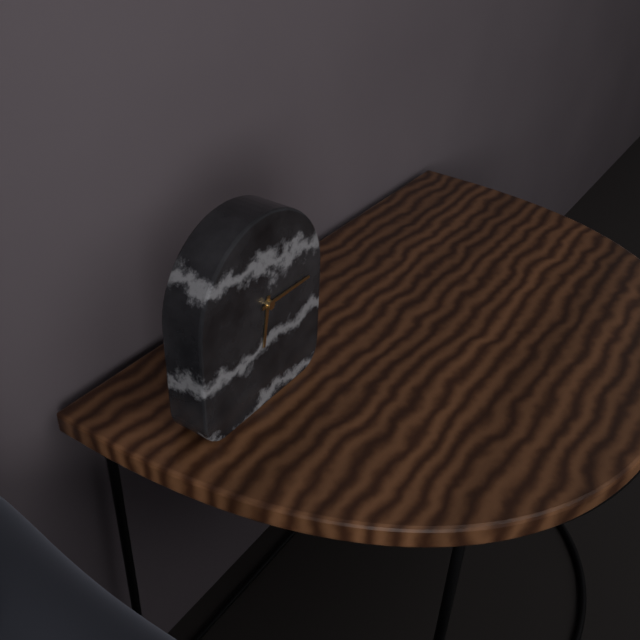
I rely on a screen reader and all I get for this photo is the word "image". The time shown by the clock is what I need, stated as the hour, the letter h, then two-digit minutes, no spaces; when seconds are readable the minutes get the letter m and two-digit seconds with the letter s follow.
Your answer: 6h15
